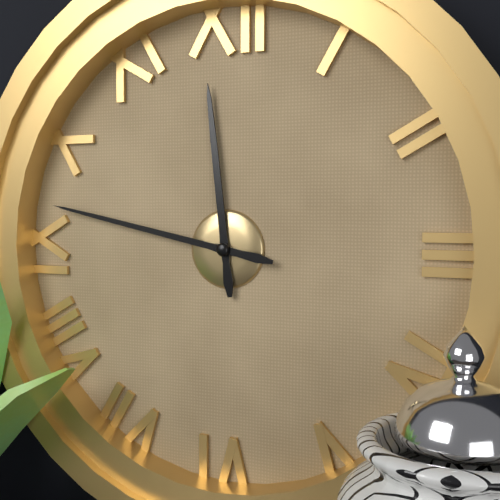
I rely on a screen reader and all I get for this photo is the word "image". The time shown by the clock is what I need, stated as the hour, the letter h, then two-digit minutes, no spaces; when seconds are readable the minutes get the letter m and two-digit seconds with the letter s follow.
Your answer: 11h47
